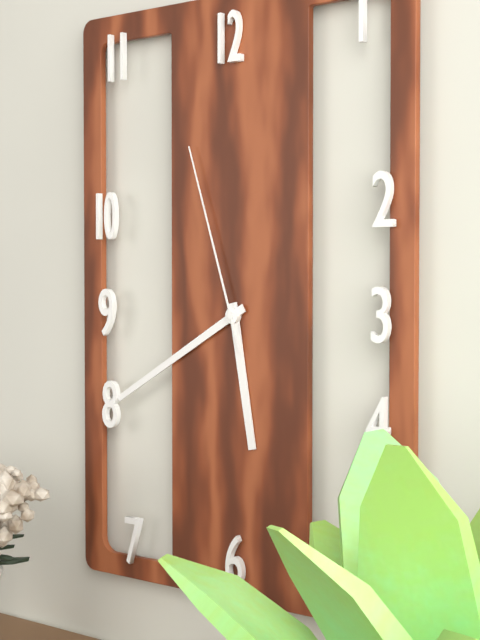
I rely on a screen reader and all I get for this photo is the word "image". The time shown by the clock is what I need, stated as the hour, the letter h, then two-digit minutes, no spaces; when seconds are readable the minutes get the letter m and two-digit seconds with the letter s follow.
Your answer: 5h40m57s
